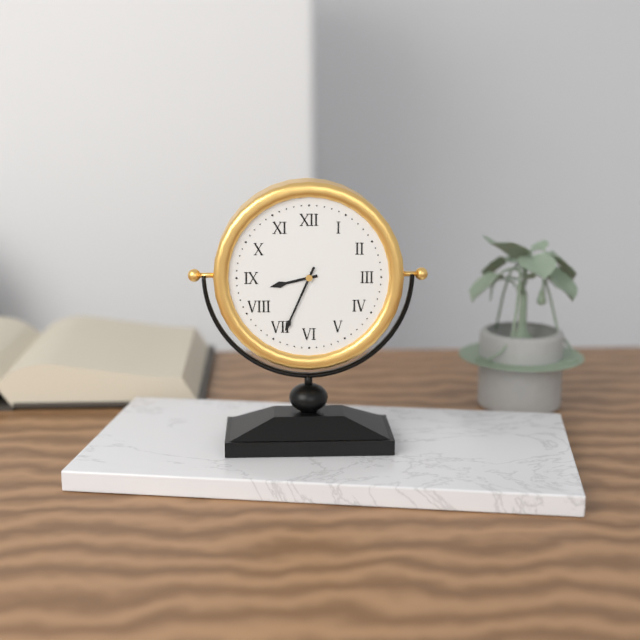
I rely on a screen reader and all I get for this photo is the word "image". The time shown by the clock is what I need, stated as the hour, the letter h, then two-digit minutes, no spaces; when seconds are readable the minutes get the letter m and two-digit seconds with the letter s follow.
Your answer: 8h34
